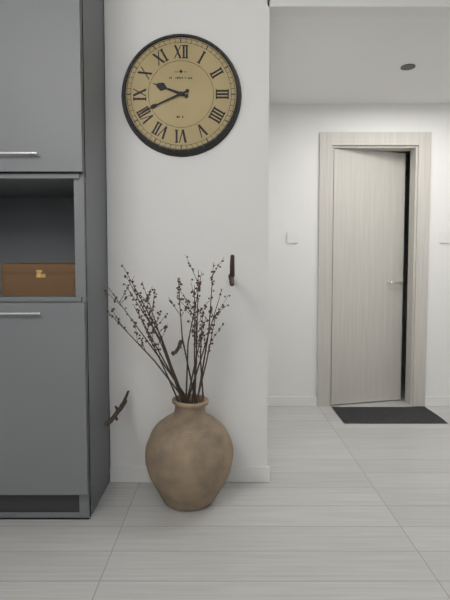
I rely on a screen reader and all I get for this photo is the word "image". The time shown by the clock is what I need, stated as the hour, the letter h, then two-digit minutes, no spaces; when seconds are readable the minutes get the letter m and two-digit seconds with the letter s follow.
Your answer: 9h41
